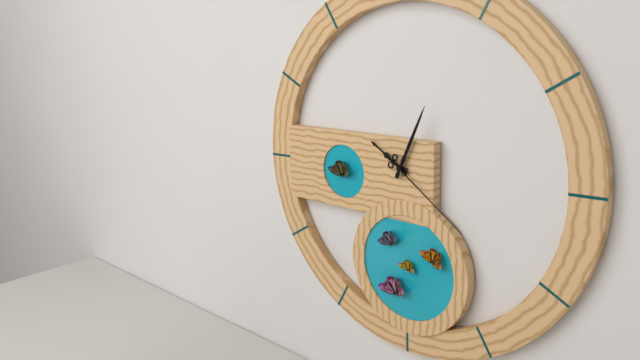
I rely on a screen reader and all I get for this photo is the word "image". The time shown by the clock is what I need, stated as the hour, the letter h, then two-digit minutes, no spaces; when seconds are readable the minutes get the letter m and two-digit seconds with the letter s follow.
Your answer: 10h04m21s
